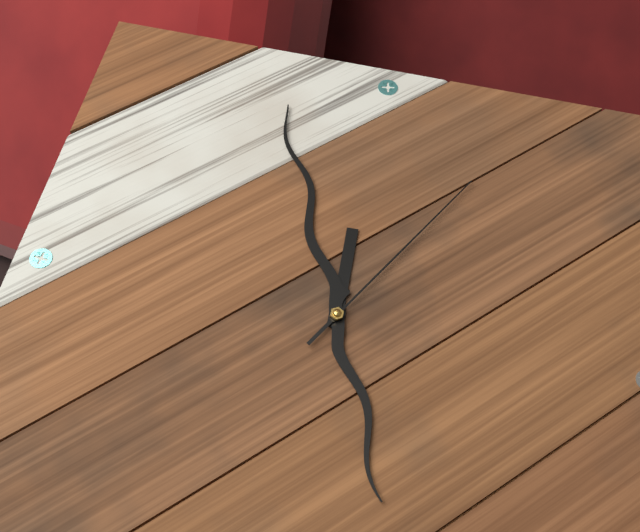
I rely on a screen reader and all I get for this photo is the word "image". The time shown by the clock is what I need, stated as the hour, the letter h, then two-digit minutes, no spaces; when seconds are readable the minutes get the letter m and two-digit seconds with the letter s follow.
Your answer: 11h56m05s
